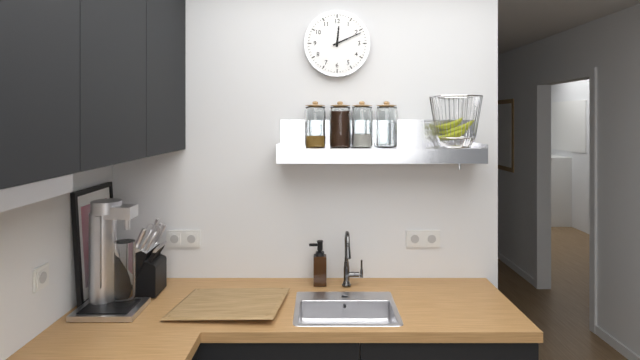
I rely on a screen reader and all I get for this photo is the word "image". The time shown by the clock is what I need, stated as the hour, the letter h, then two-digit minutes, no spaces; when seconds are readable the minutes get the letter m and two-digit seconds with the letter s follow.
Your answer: 12h11
